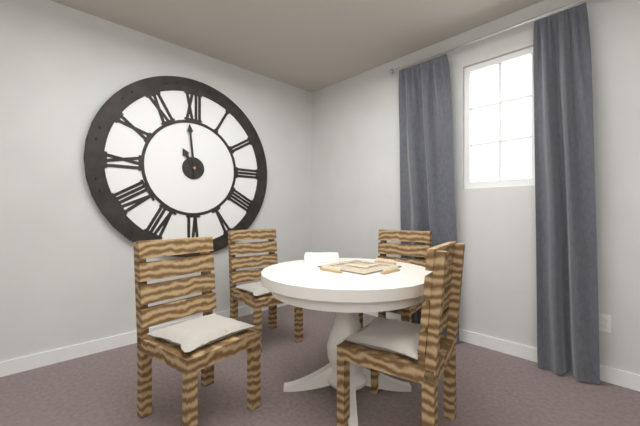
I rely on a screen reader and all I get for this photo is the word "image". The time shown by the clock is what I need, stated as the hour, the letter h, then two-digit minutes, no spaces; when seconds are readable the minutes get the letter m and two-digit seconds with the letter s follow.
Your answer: 10h59
